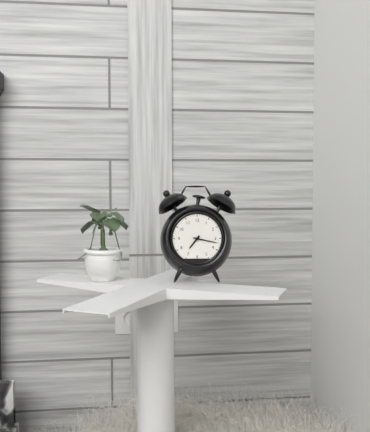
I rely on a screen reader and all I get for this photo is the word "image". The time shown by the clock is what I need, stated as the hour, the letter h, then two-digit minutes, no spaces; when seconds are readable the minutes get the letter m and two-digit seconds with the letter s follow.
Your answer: 7h17
